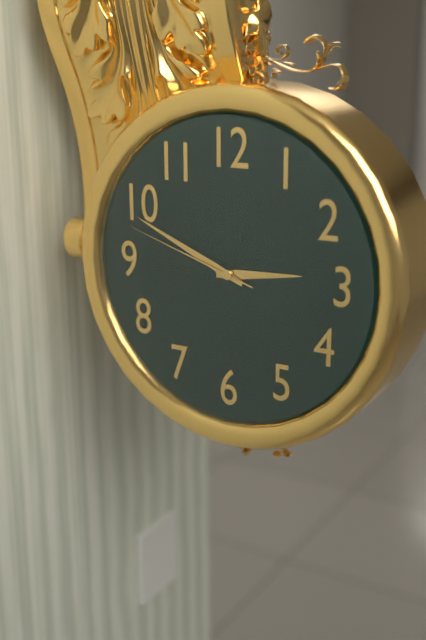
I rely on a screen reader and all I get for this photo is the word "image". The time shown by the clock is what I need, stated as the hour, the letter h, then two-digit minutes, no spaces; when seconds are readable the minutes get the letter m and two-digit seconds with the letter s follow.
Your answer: 2h49m48s
